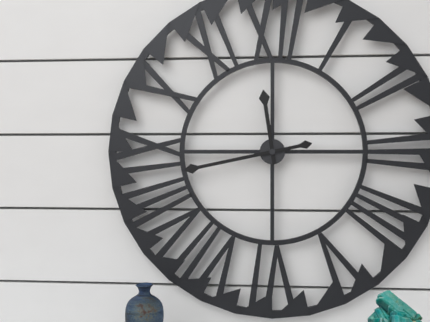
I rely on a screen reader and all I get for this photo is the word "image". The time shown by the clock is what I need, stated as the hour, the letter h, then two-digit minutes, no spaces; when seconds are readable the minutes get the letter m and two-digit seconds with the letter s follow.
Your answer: 11h43
